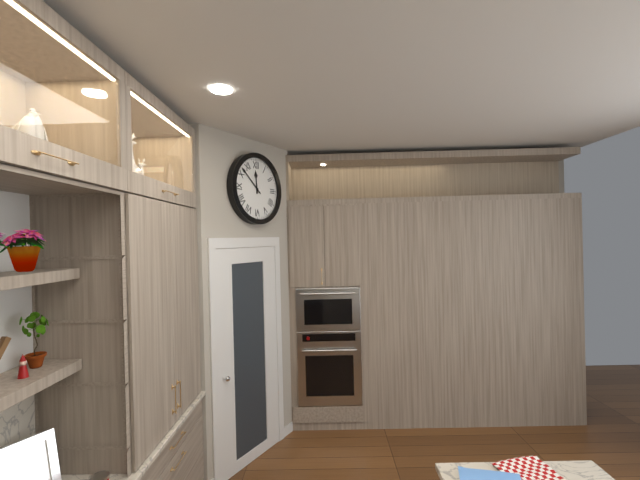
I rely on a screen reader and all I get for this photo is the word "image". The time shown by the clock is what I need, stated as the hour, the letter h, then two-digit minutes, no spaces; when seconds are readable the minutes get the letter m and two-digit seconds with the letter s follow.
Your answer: 11h52
